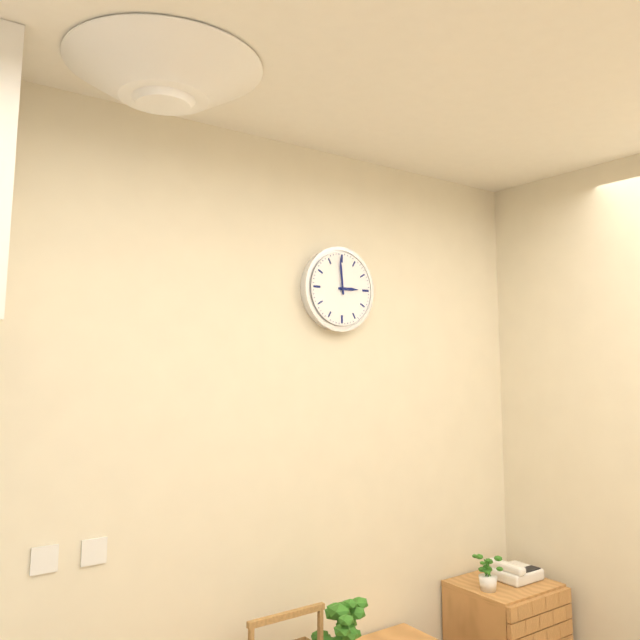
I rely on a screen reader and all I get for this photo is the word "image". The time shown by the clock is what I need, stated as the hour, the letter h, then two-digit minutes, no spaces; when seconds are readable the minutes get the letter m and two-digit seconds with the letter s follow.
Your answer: 2h59
